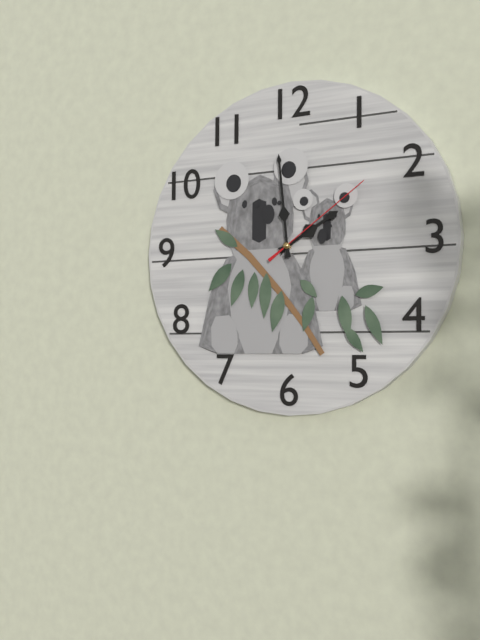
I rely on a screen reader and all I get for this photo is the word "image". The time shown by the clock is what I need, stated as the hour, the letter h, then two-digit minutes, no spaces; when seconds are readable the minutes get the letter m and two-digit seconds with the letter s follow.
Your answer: 1h59m09s
